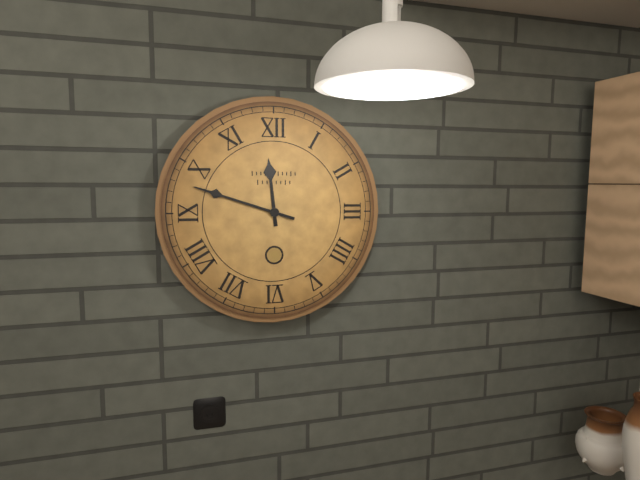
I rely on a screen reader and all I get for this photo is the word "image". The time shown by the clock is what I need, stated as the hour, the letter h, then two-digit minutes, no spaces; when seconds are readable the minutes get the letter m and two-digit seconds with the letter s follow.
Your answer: 11h48
